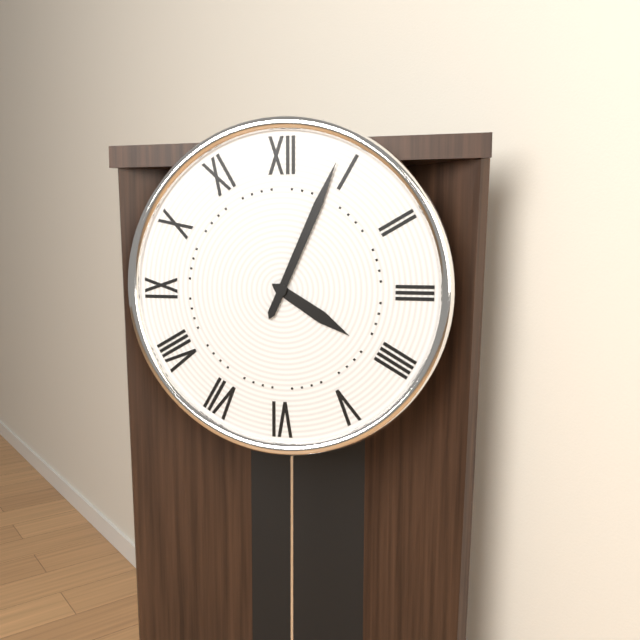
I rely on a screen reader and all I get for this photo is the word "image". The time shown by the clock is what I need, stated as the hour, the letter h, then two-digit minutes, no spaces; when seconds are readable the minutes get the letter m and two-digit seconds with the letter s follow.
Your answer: 4h04
